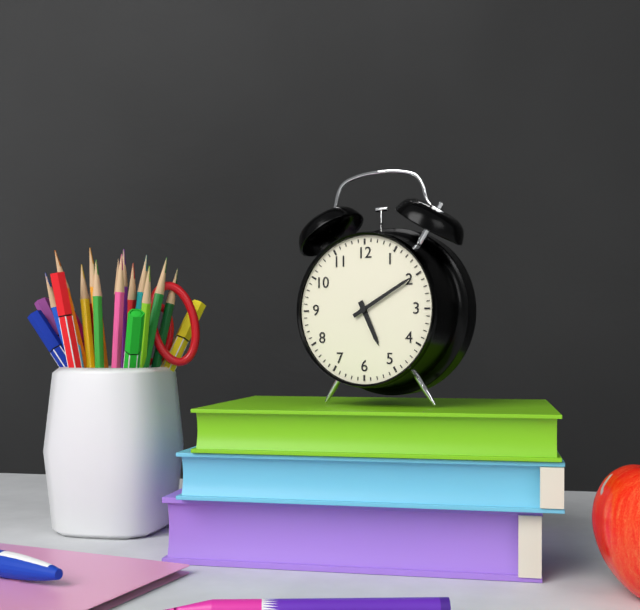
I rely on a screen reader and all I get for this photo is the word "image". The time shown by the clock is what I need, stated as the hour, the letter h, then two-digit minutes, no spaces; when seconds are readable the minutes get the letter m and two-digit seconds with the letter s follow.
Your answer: 5h10
